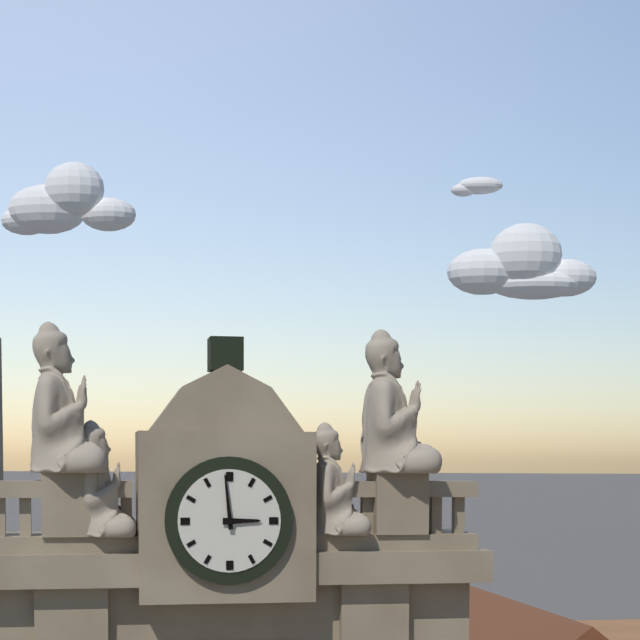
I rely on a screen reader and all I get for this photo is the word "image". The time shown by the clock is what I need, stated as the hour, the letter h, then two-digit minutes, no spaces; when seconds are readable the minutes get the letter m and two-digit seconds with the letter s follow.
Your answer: 2h59
